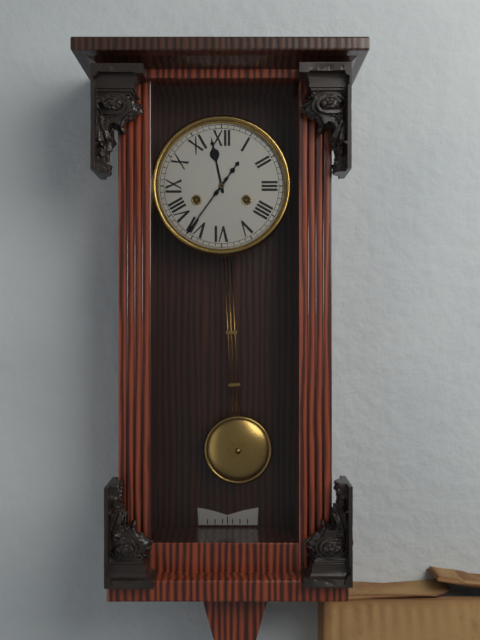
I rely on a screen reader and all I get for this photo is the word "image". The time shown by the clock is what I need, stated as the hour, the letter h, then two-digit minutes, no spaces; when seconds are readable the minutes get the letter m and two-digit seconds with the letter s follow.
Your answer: 11h36
